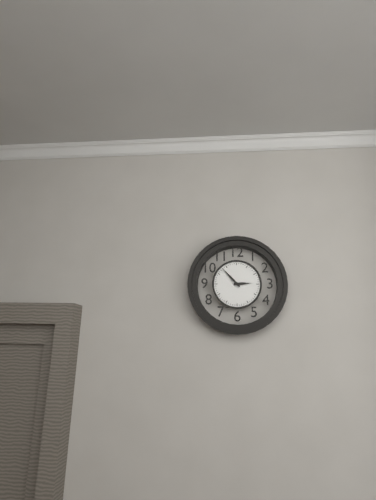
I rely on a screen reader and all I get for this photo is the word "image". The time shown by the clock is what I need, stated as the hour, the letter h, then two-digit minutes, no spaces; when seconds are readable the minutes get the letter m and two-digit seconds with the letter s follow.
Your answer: 2h53
